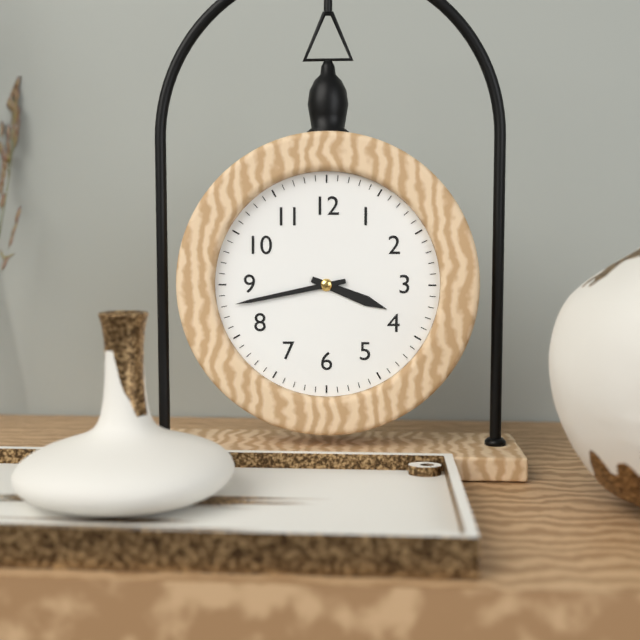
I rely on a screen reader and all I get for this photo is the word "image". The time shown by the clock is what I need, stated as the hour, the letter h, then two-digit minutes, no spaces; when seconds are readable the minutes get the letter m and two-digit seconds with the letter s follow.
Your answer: 3h43
